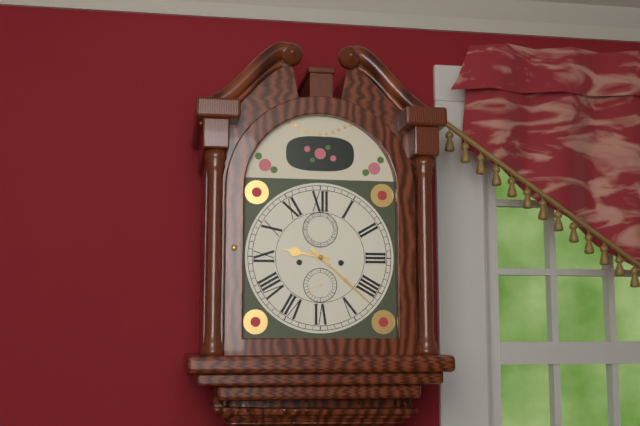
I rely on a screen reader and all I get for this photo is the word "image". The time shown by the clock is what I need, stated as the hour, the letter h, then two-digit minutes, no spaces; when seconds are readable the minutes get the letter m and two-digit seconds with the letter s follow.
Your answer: 9h22
